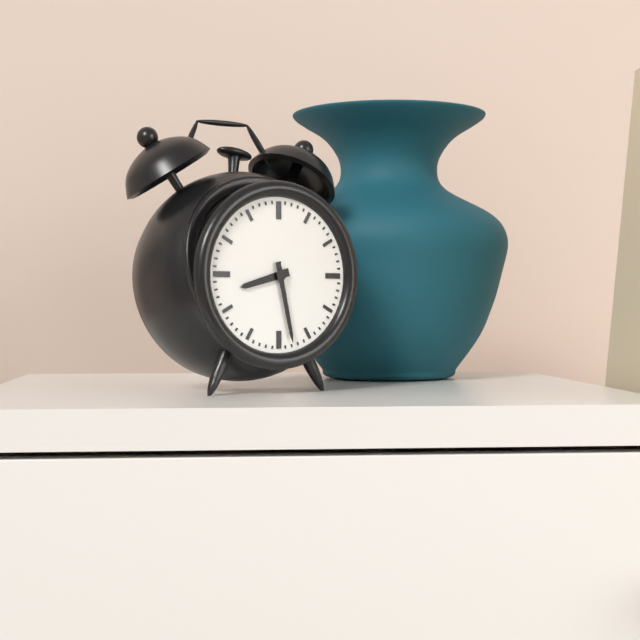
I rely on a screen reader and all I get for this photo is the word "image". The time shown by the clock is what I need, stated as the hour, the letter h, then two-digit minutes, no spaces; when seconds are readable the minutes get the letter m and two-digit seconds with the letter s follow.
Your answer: 8h28
